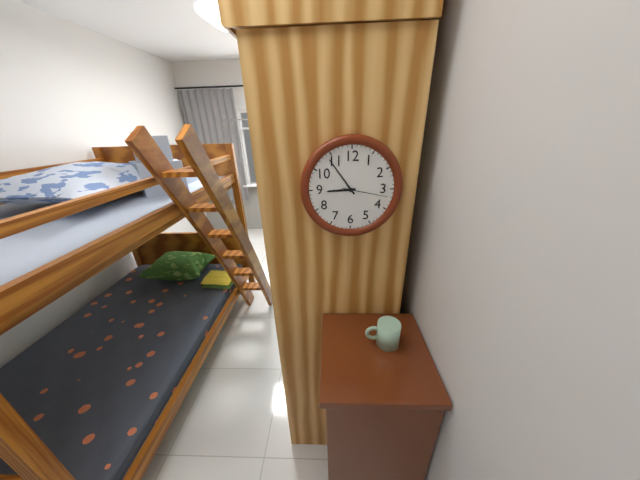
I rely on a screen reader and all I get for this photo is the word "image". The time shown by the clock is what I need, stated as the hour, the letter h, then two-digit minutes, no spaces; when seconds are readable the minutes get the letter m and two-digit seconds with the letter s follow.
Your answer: 8h54
